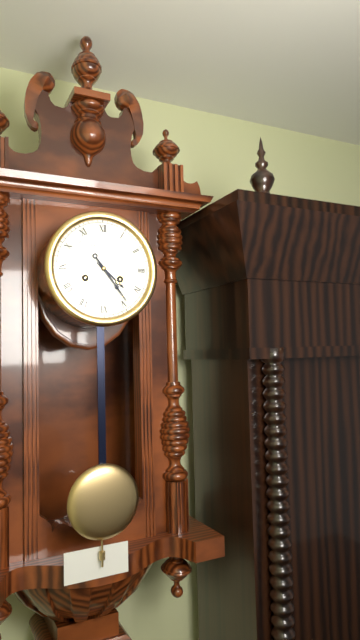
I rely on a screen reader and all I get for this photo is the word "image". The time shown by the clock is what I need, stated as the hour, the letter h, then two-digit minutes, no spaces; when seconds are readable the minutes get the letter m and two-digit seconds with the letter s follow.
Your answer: 4h24
